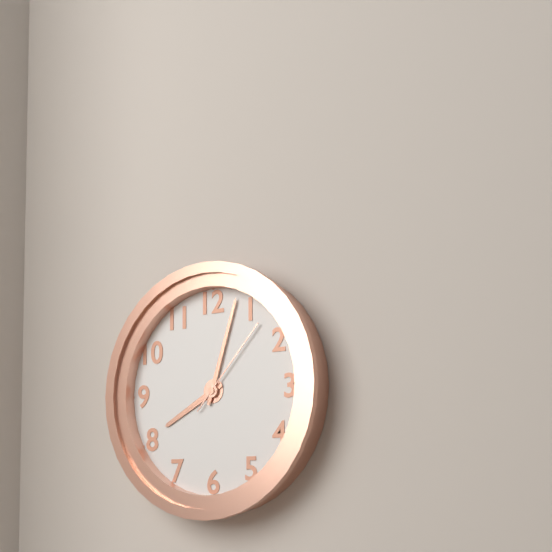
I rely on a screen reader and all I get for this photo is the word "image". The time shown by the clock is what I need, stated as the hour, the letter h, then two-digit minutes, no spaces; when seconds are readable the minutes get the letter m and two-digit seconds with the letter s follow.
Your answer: 8h03m07s
